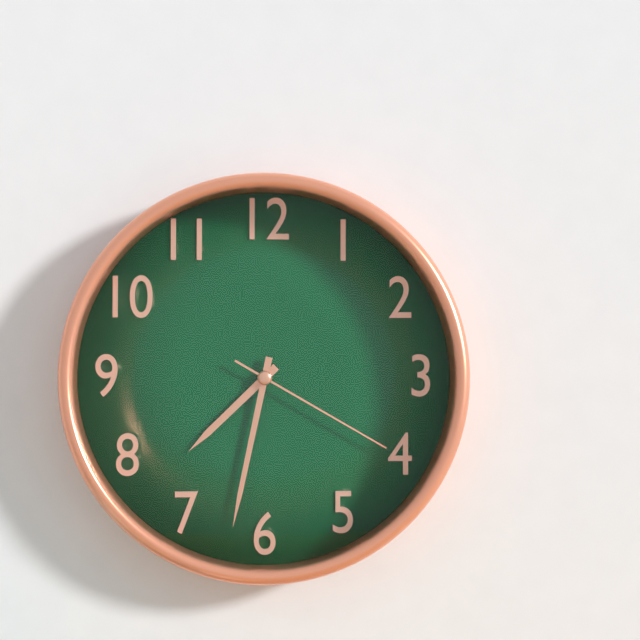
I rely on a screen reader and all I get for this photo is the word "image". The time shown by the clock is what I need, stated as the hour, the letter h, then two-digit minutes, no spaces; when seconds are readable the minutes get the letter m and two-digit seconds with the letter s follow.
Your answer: 7h32m20s
